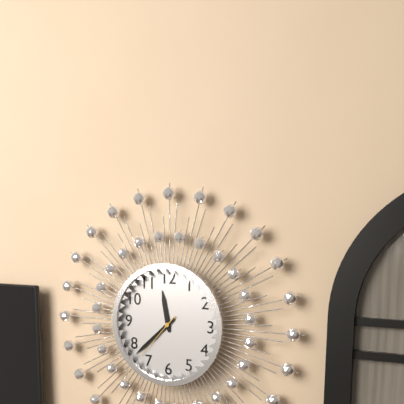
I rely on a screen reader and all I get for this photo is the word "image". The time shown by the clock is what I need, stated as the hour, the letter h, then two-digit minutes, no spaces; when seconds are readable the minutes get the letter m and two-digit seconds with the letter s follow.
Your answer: 11h38m37s
